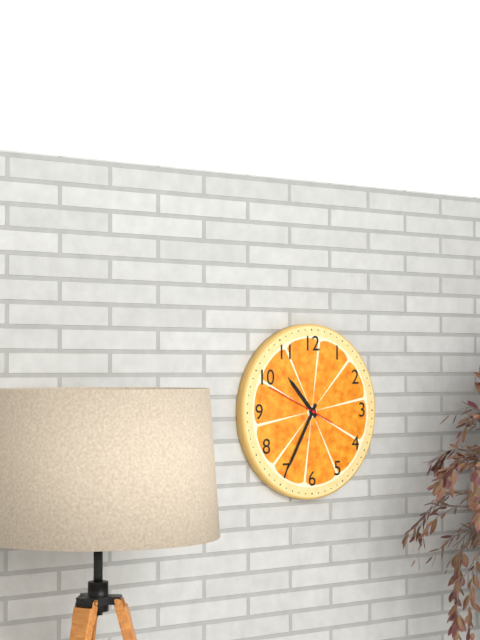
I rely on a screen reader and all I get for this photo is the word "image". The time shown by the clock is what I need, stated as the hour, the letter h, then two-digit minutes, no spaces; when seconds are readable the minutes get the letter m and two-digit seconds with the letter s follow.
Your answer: 10h35m49s
